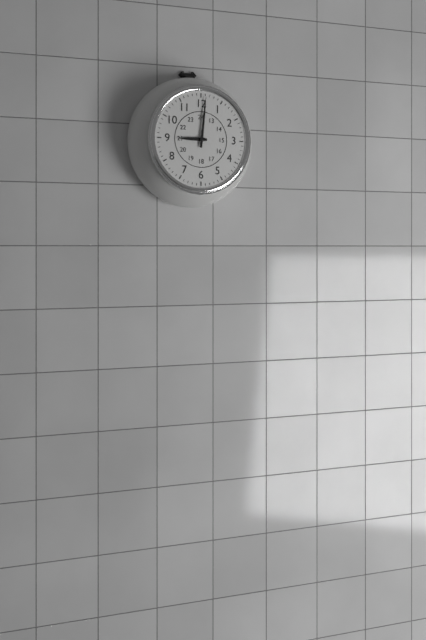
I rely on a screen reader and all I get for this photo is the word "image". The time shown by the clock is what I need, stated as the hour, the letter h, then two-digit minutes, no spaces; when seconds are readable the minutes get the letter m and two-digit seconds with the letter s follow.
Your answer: 9h01
